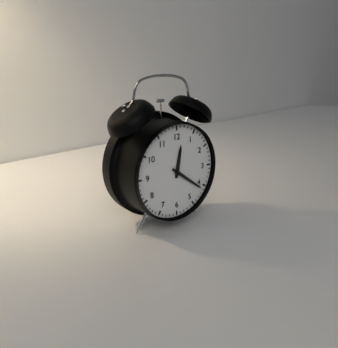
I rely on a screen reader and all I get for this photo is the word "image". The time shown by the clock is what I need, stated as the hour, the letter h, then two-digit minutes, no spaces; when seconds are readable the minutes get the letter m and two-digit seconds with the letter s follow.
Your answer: 12h21
